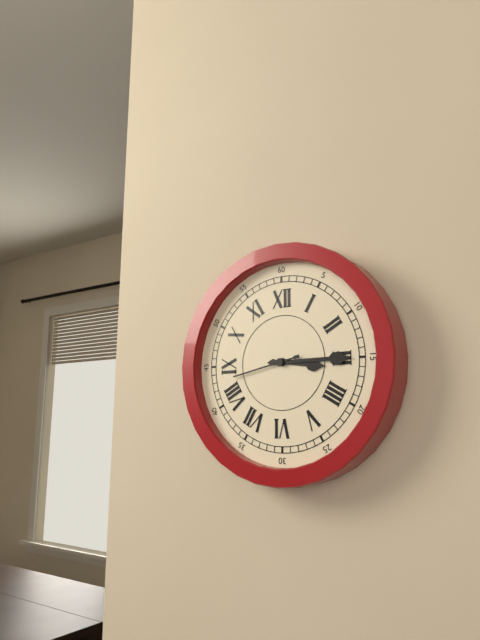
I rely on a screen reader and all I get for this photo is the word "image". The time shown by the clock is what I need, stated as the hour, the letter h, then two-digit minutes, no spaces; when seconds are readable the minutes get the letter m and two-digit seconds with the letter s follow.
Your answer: 3h15m43s
